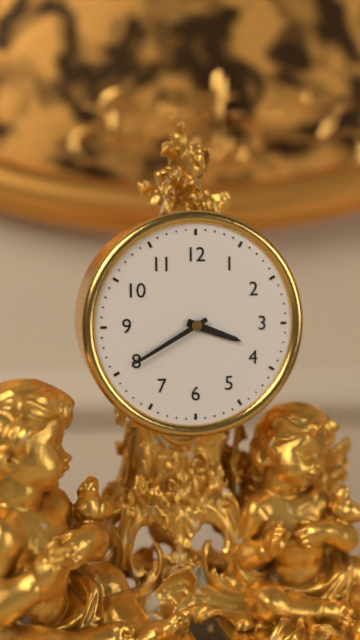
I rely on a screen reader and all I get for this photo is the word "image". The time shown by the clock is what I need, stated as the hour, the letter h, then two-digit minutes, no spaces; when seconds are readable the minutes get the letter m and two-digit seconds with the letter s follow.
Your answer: 3h40
